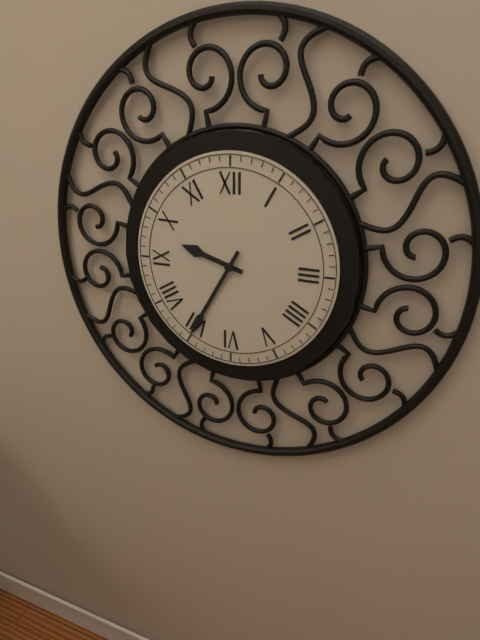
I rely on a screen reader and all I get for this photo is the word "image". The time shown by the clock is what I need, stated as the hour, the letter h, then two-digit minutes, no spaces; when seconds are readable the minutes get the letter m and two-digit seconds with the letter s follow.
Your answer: 9h35
